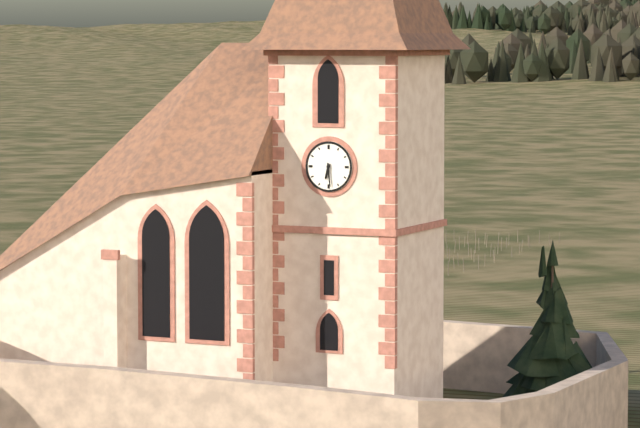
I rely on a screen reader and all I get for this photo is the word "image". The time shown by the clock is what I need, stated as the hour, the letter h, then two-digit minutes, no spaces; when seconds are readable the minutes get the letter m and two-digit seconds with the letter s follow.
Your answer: 6h29
